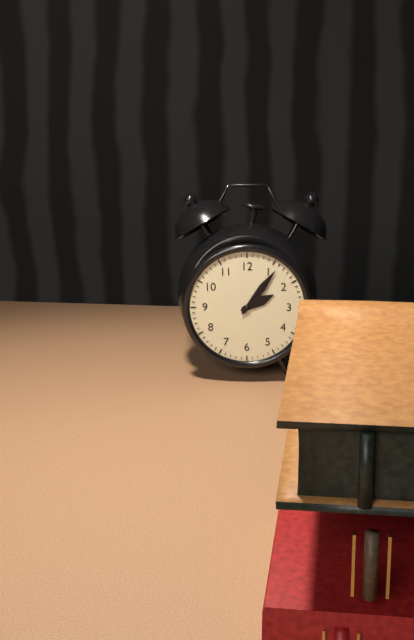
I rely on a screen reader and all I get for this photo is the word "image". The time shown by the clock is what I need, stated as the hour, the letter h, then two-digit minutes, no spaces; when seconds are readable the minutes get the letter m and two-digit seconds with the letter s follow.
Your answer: 2h06
